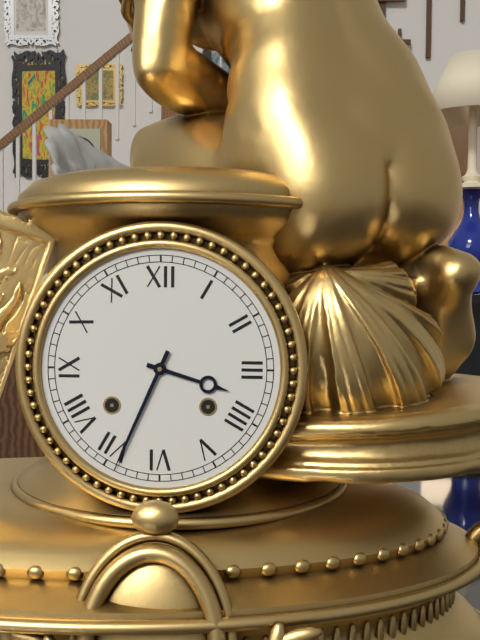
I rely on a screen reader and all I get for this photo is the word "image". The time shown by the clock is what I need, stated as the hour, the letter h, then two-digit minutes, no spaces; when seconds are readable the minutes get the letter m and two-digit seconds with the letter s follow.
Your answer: 3h34
